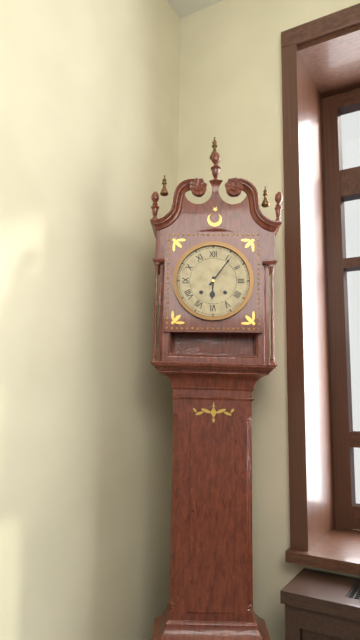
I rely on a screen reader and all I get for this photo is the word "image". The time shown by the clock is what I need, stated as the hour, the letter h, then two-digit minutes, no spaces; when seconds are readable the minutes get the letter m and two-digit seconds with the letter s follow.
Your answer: 6h06
